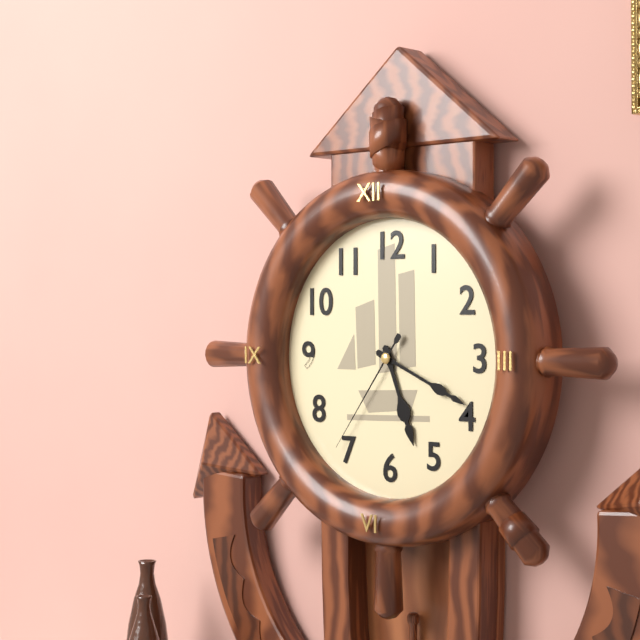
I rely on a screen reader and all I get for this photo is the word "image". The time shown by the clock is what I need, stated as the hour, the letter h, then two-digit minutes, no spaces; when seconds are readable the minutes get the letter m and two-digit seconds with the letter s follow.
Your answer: 5h19m36s
